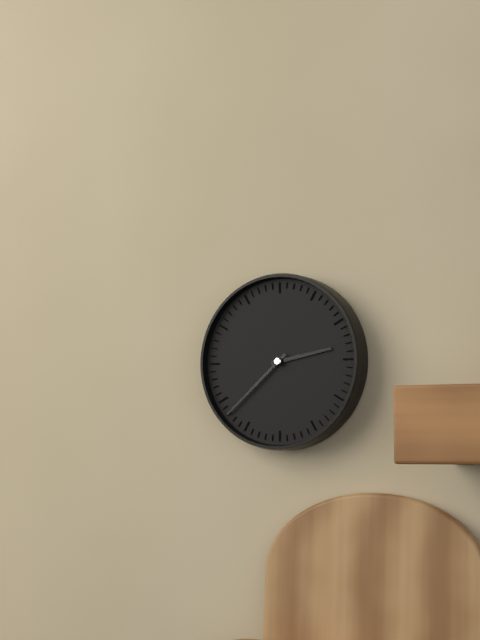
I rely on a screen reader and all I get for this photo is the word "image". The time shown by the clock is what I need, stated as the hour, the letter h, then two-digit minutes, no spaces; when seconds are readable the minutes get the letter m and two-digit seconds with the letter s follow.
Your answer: 2h38
